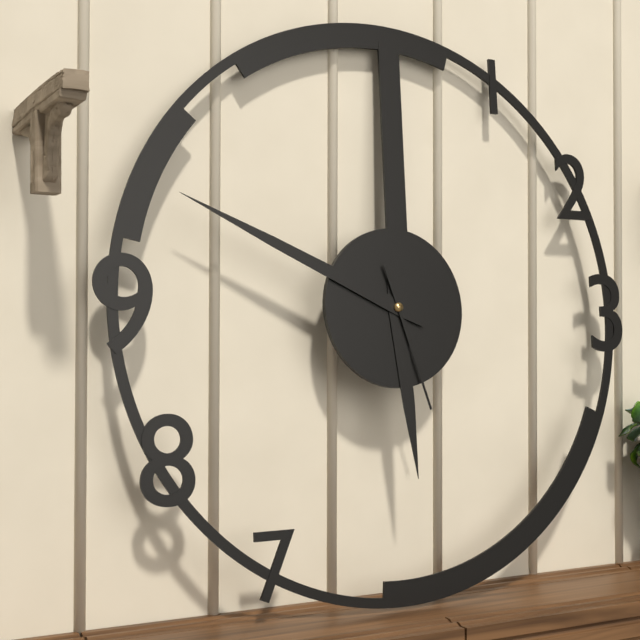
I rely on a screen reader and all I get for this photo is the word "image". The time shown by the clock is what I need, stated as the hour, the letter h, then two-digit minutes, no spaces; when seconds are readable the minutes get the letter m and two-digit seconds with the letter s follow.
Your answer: 5h49m27s
